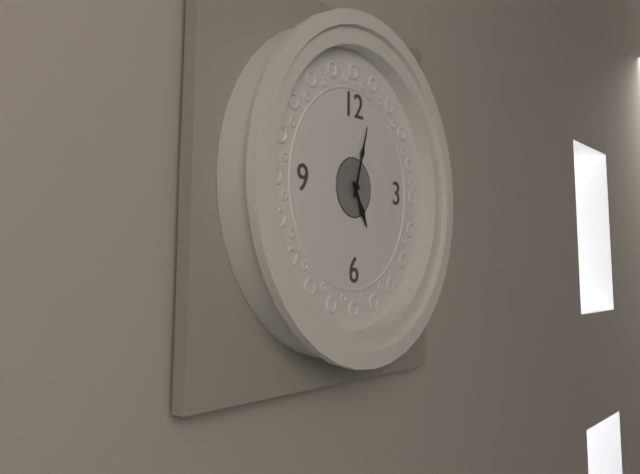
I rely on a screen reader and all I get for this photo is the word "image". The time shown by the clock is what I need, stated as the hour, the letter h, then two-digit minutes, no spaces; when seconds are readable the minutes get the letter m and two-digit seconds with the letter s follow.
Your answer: 5h03
